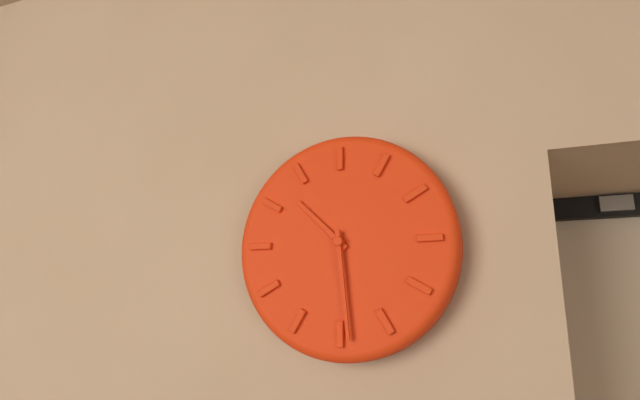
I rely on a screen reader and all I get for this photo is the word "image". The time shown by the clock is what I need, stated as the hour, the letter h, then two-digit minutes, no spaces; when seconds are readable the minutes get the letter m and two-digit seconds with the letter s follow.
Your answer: 10h29
